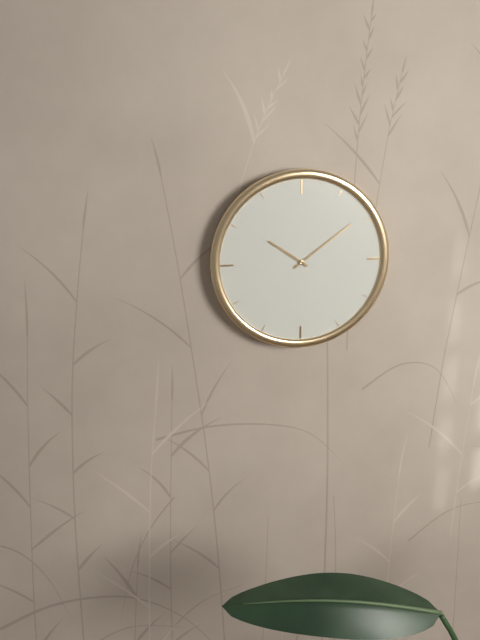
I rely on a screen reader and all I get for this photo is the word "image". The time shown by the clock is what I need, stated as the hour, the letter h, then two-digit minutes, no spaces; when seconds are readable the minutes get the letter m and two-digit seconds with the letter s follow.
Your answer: 10h09
